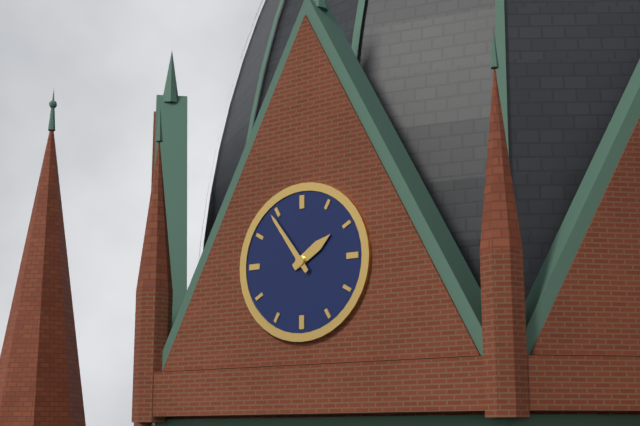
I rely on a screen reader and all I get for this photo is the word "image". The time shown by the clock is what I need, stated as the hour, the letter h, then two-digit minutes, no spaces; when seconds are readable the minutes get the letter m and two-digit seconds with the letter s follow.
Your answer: 1h54
